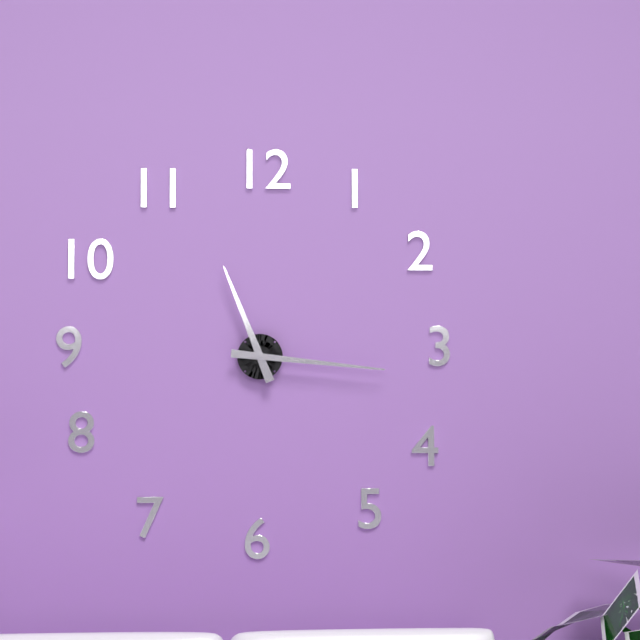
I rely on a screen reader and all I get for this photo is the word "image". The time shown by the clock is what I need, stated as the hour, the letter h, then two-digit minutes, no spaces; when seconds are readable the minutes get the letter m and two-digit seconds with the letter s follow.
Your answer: 11h16
